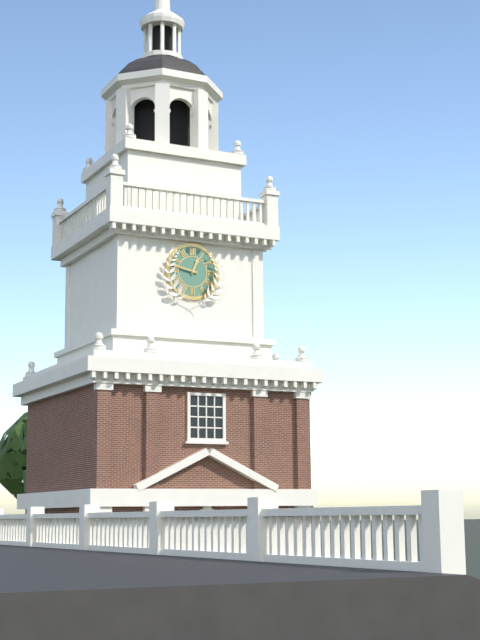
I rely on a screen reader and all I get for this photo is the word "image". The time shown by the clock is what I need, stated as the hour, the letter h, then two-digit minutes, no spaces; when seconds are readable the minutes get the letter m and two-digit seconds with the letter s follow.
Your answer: 12h47
